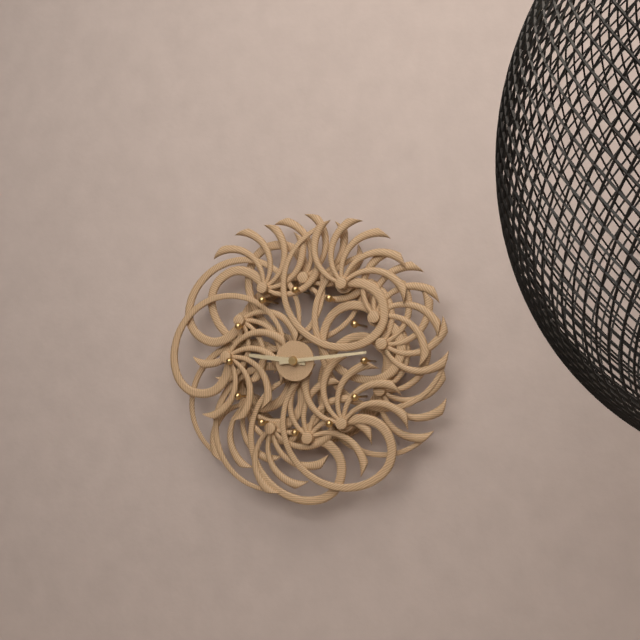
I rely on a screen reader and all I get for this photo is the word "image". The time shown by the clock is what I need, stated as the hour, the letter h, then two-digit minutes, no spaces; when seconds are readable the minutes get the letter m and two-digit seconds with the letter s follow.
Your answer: 9h14
